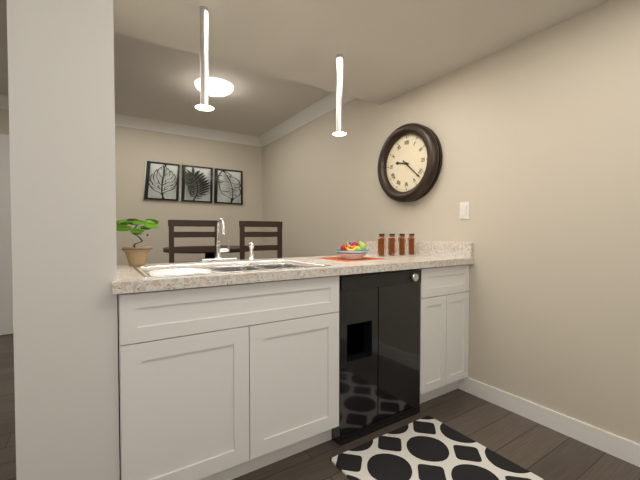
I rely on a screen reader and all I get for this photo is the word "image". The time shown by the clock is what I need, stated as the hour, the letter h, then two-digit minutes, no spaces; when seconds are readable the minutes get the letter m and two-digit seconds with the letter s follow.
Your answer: 9h22
